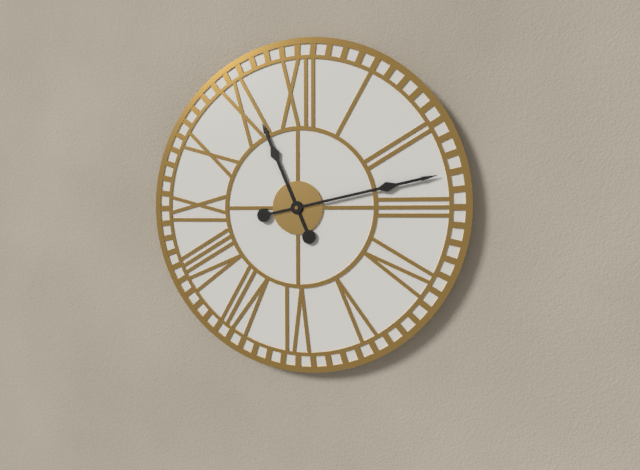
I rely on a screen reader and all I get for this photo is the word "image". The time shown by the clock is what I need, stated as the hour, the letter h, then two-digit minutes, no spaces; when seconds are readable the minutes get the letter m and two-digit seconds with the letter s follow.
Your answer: 11h13
